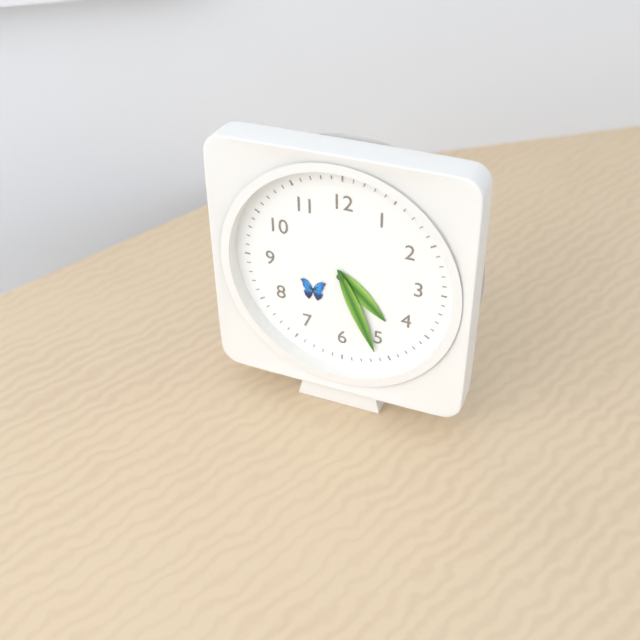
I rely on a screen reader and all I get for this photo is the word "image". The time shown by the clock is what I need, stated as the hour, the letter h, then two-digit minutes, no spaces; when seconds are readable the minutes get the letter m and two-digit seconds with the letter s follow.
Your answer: 4h26
